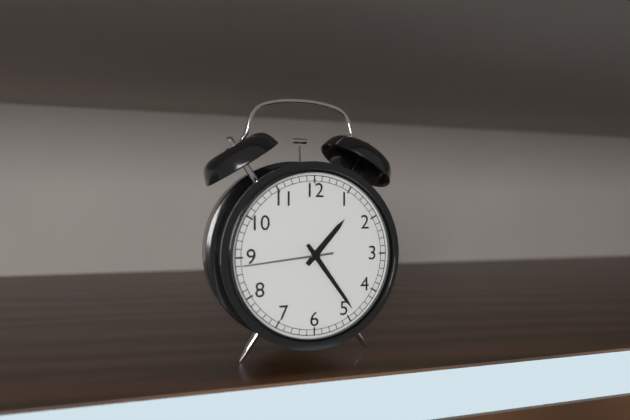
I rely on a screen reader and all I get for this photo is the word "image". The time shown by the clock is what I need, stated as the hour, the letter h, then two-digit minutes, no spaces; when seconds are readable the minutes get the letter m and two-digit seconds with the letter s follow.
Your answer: 1h24m44s
